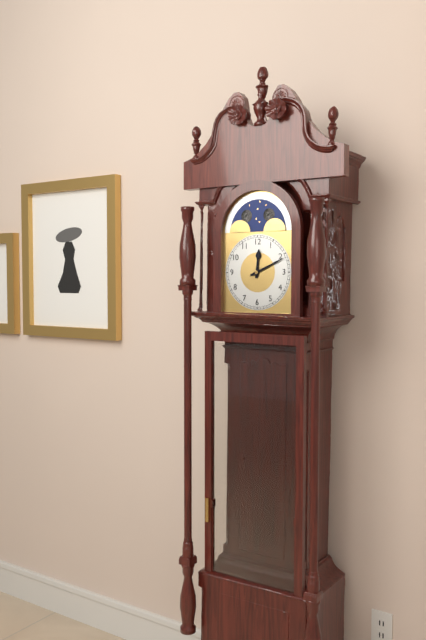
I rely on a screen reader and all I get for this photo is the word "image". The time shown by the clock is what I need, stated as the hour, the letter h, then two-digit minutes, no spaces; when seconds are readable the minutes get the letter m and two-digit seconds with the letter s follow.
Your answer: 12h11
